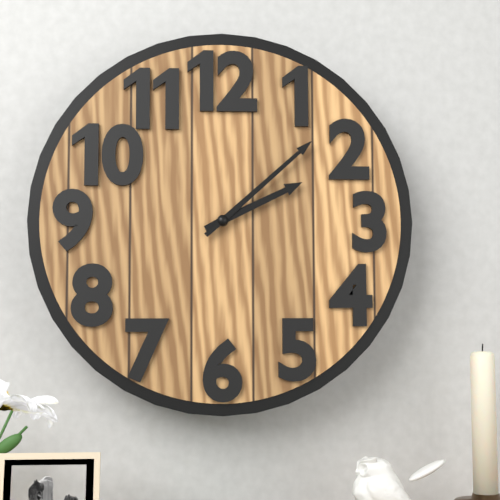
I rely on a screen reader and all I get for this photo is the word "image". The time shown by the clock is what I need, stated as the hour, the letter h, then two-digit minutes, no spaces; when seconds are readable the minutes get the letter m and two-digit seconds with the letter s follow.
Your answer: 2h08
